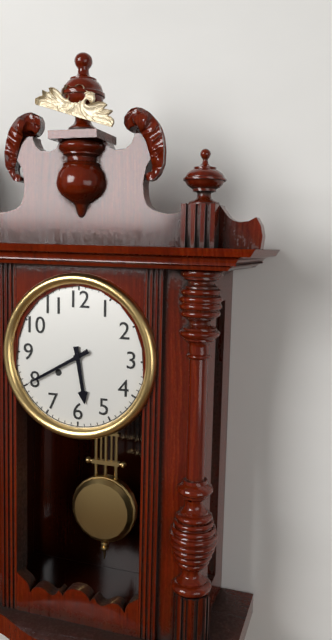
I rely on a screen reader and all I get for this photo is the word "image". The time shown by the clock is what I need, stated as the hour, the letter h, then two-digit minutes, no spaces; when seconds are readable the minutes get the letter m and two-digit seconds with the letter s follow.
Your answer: 5h40
